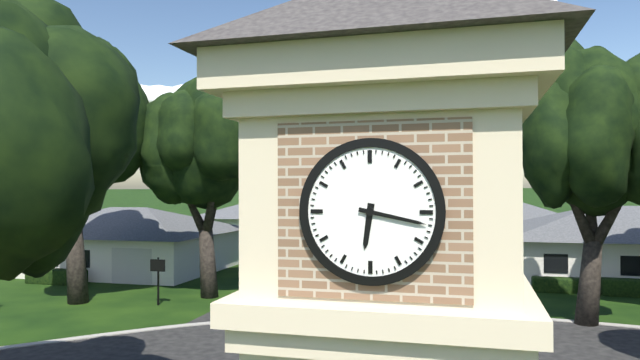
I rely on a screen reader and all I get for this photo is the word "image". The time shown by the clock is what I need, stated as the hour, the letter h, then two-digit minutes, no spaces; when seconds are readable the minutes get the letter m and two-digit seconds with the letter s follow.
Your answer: 6h17
